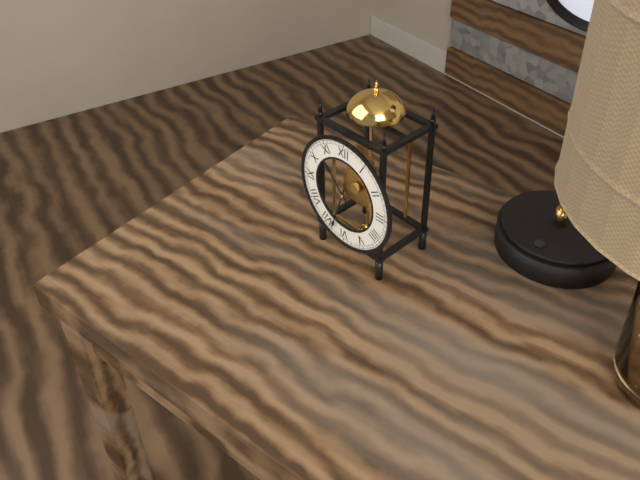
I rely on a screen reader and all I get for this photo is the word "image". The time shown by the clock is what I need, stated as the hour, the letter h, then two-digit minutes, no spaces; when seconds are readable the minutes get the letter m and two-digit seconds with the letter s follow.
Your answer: 10h33
